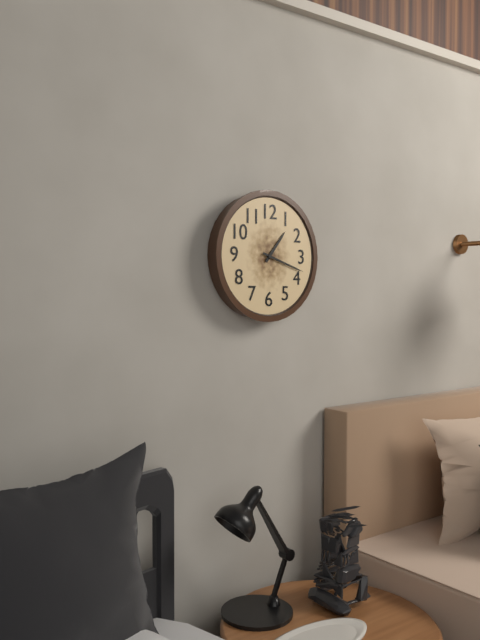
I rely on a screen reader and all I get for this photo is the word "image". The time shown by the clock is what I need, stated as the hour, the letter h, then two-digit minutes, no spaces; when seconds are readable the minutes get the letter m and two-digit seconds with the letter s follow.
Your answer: 1h18
